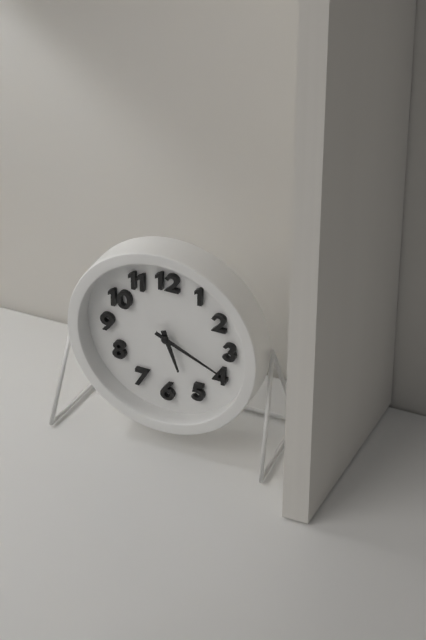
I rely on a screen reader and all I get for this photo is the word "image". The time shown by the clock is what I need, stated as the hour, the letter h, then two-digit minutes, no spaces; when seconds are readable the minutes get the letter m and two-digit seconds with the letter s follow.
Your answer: 5h19
